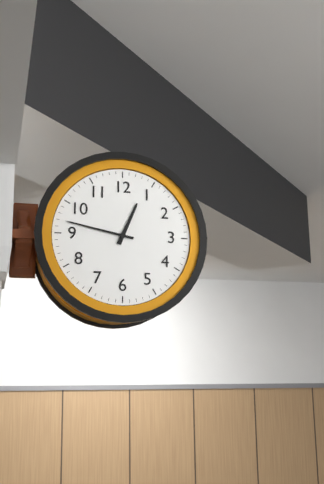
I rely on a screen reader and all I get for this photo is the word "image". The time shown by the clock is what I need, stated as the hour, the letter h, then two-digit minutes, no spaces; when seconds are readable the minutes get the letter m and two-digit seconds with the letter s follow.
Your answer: 12h47
